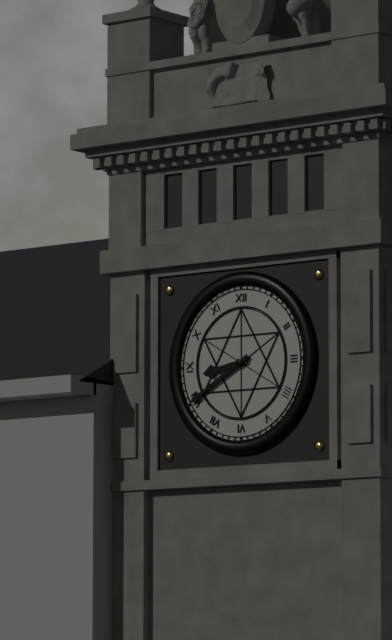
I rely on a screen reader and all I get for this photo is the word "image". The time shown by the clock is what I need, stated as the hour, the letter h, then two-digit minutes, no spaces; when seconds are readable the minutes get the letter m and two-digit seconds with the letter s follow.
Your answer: 8h40
